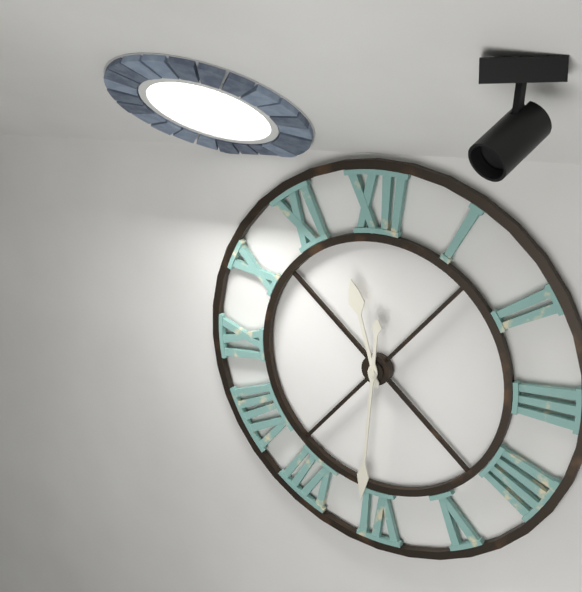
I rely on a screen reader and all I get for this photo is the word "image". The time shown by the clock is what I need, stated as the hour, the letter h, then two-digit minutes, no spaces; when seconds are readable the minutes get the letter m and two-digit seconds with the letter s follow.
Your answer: 11h31
